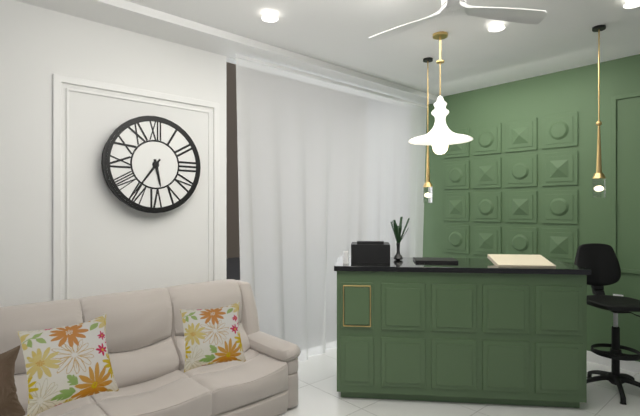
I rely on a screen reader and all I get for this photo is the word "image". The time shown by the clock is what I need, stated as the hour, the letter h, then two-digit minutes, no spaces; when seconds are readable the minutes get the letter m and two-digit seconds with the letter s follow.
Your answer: 5h36
